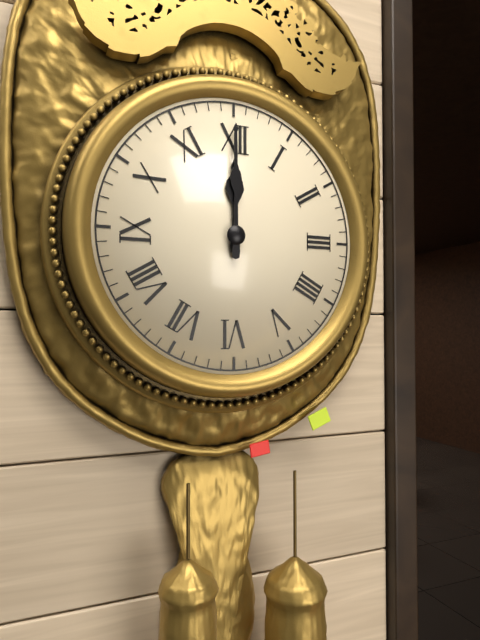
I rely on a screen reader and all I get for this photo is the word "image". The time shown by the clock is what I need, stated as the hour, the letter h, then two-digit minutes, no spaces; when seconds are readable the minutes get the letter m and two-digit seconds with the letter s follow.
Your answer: 12h00
